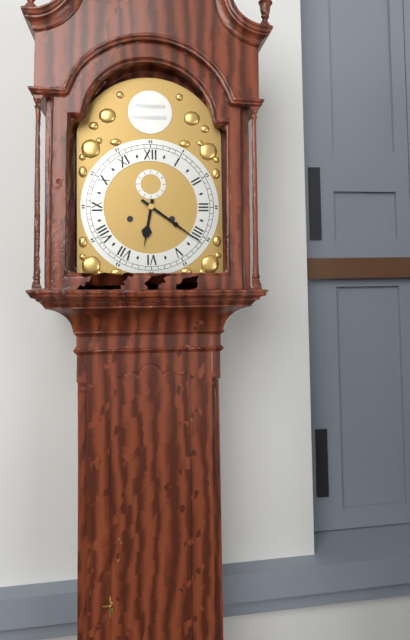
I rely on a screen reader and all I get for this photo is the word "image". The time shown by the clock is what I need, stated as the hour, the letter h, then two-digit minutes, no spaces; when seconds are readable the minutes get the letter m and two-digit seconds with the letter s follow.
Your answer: 6h21
